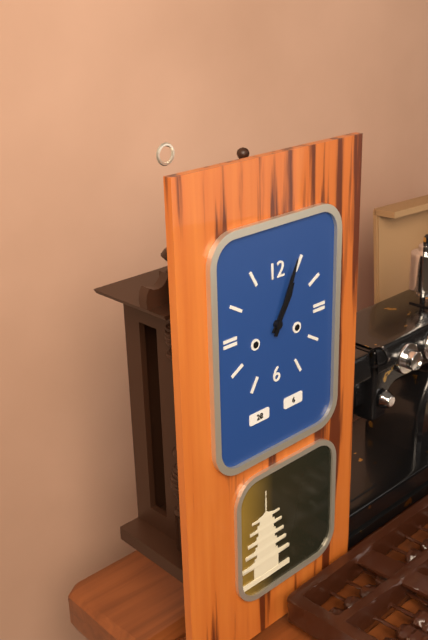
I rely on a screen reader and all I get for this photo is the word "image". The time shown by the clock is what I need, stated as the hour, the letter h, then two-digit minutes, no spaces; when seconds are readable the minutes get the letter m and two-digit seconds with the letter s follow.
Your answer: 1h04
